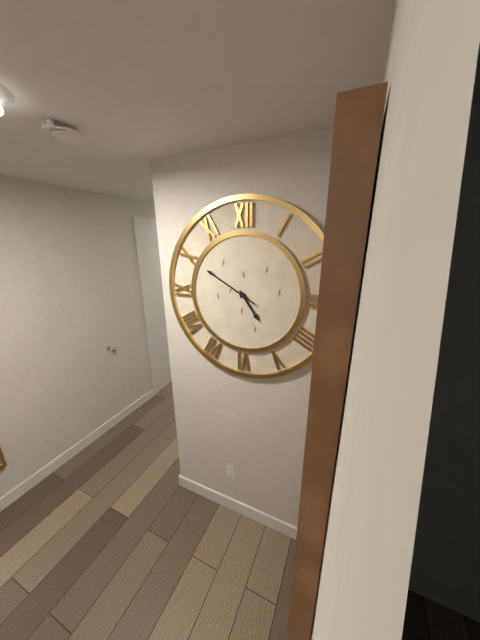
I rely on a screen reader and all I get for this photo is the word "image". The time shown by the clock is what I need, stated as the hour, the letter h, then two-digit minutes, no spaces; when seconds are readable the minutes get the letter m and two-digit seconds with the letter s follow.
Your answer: 4h50
